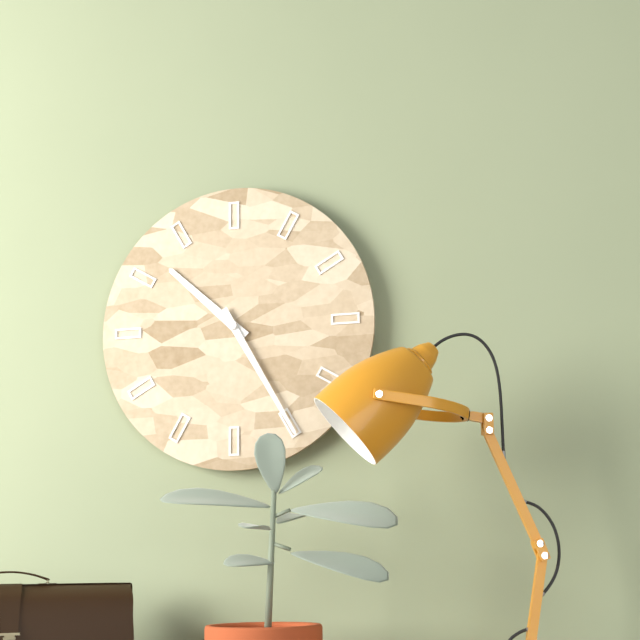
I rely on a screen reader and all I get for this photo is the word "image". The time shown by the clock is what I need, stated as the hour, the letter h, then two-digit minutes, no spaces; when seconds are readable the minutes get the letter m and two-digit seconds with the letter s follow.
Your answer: 10h25
